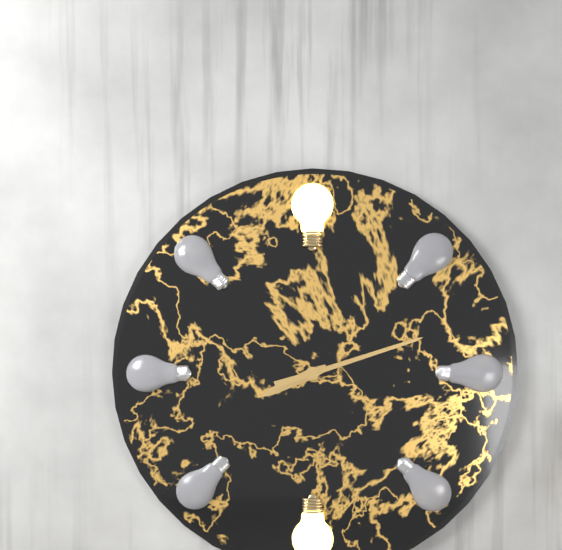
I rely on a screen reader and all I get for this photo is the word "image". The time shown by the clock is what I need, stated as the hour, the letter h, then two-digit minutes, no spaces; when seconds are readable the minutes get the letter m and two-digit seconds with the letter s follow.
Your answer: 8h12
